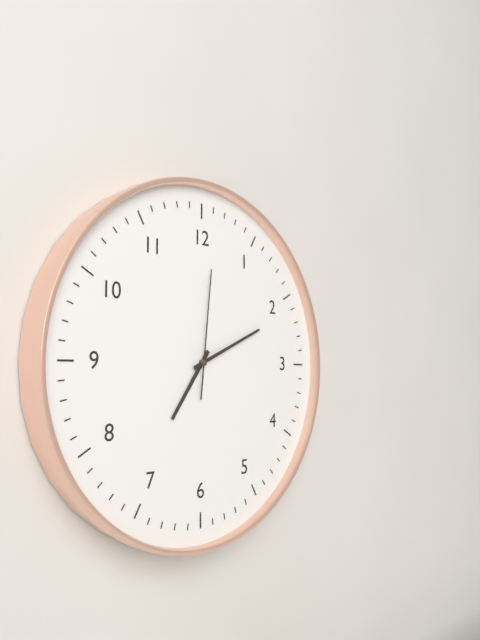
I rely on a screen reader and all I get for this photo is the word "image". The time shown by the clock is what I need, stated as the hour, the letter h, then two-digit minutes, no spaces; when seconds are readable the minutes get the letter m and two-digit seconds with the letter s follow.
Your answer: 7h11m01s
